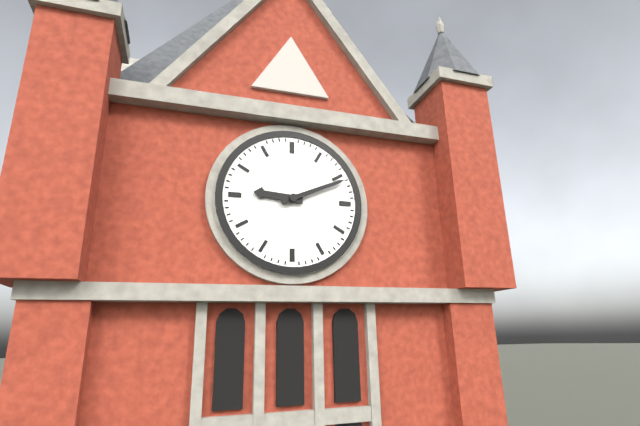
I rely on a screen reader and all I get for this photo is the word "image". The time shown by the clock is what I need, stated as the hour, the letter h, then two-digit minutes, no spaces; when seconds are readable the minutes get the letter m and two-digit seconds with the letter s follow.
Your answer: 9h11
